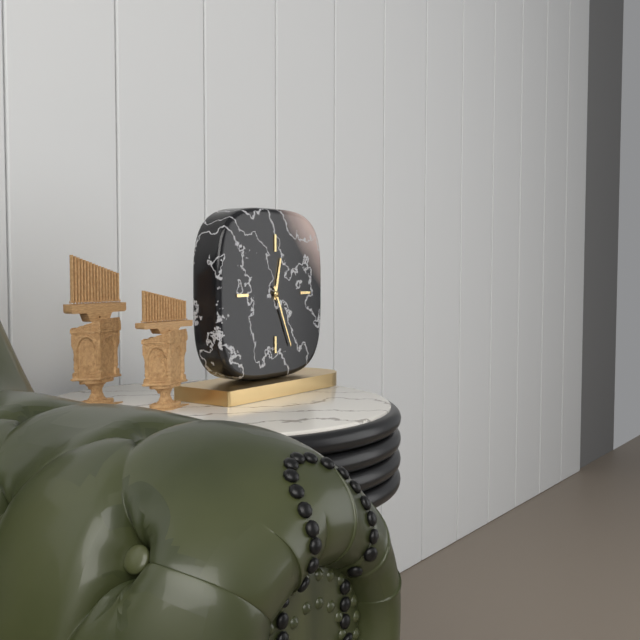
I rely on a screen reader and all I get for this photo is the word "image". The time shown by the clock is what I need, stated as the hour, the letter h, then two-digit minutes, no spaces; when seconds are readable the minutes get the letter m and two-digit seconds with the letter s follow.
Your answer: 12h26
